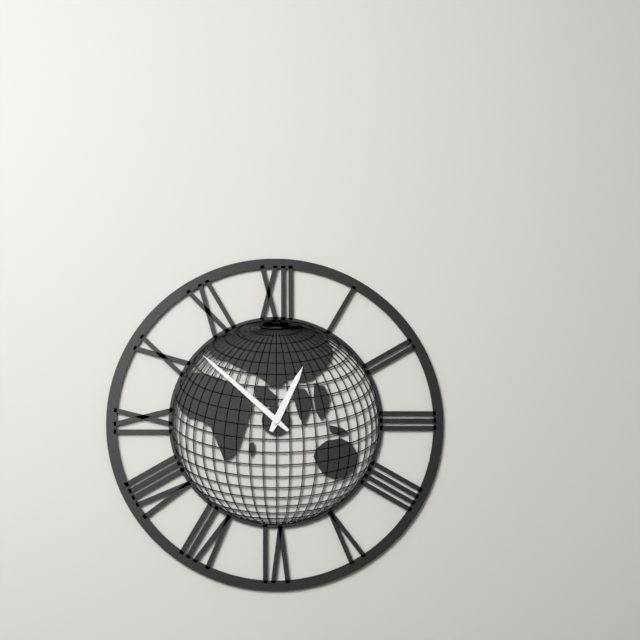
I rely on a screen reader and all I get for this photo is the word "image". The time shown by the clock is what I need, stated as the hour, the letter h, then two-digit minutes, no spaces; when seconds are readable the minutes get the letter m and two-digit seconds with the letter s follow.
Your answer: 12h52
